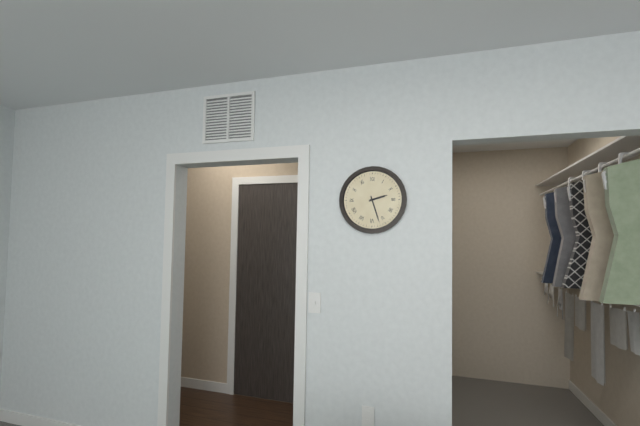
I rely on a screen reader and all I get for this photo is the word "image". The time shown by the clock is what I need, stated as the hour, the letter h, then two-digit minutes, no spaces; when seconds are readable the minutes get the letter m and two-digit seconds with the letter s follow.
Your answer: 2h27
